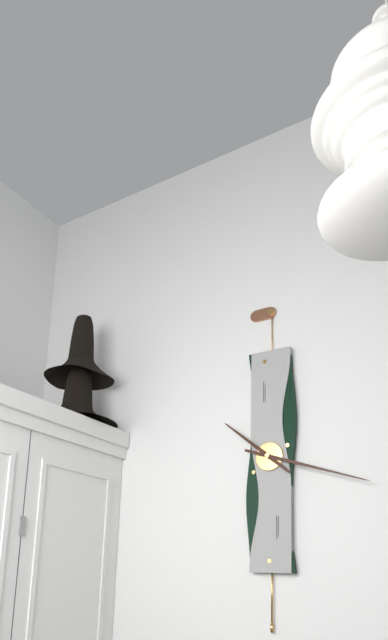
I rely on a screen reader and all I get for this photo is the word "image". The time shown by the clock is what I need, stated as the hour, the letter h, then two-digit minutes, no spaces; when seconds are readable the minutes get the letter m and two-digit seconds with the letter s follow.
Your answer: 10h18
